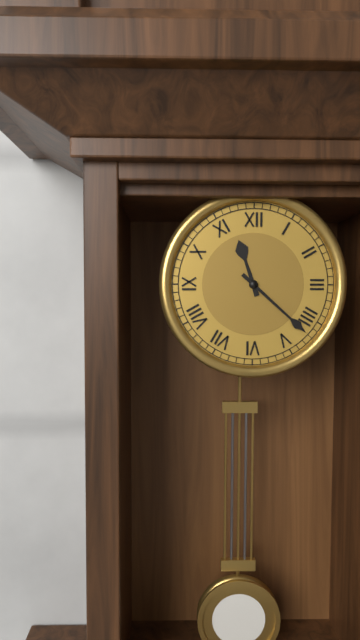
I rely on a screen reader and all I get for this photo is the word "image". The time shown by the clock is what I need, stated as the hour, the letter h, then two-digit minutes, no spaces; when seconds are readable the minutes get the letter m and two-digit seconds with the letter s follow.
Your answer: 11h22
